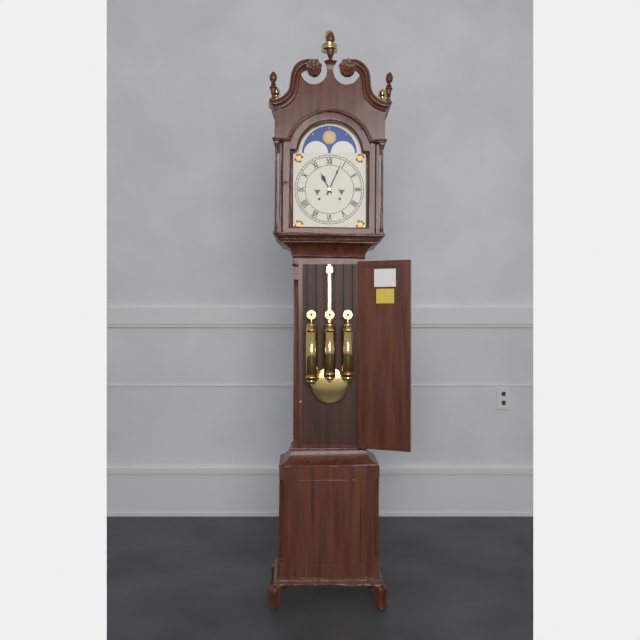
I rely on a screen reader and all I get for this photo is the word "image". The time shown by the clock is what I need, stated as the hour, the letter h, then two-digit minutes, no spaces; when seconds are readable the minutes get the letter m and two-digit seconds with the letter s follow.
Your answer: 11h04
